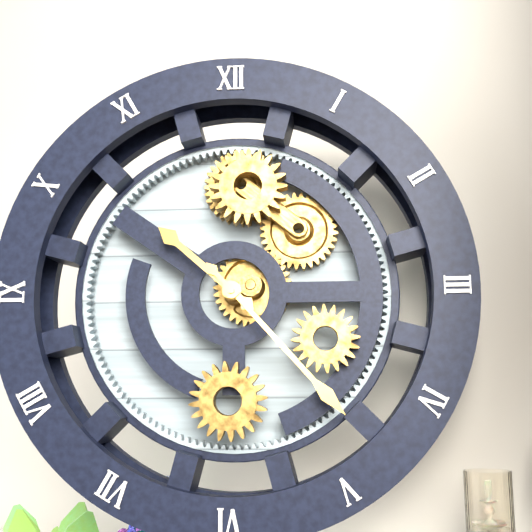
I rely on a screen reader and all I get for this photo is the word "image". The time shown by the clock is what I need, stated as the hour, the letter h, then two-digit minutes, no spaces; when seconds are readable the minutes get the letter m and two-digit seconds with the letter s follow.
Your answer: 10h23
